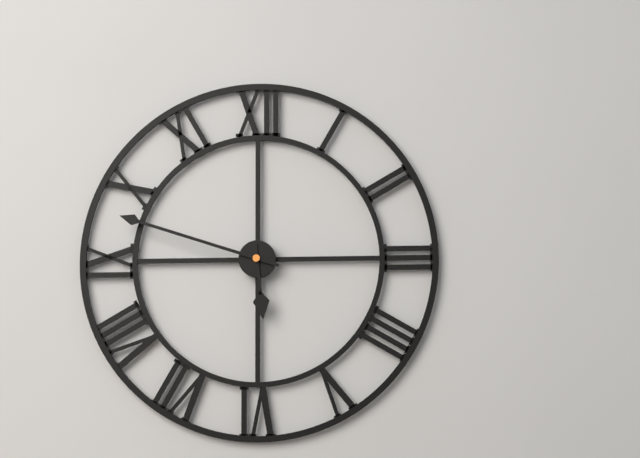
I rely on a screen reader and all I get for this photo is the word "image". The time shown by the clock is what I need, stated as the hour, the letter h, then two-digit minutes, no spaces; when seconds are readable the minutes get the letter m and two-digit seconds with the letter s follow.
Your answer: 5h48
